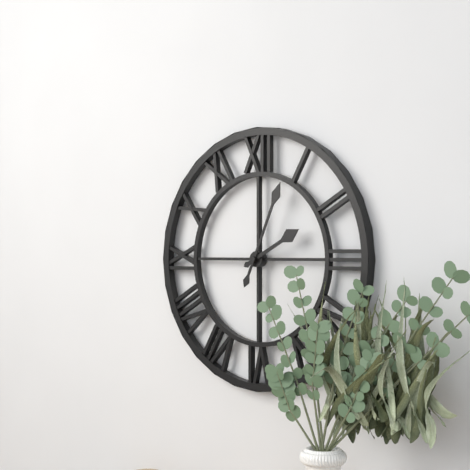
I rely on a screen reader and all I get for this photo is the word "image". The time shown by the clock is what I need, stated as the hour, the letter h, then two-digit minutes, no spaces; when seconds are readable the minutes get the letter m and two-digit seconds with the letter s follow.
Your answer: 2h04
